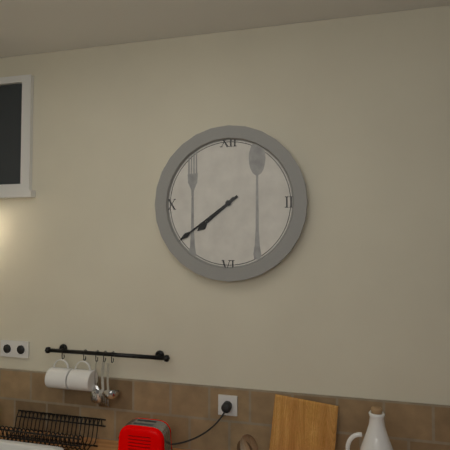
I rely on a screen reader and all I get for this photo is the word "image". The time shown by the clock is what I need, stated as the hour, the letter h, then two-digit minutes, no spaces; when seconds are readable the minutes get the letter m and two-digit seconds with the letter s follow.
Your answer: 7h39
